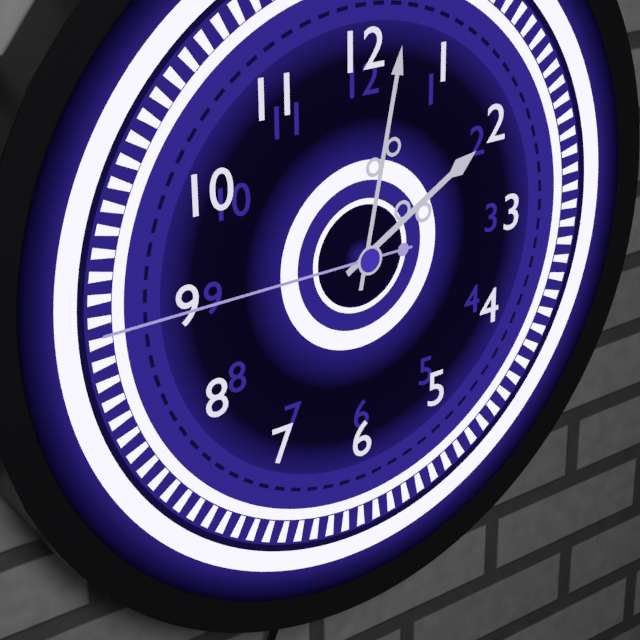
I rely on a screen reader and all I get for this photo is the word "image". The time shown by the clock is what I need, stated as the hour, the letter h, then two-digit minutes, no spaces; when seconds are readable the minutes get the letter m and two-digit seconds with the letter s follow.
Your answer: 2h02m45s
